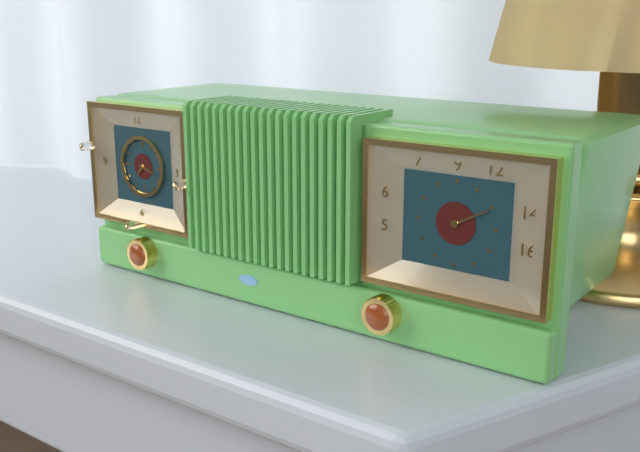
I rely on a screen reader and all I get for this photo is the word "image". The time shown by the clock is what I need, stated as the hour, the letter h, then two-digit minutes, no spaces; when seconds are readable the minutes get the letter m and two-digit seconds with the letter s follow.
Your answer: 7h18
